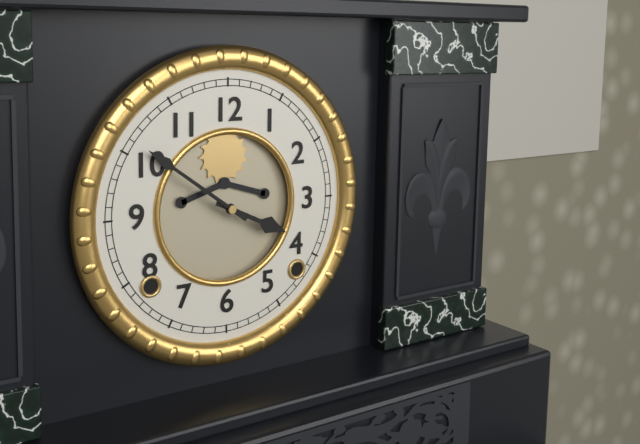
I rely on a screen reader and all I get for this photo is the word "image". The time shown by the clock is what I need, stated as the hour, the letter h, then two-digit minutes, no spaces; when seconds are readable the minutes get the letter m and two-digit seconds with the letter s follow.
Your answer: 3h51
